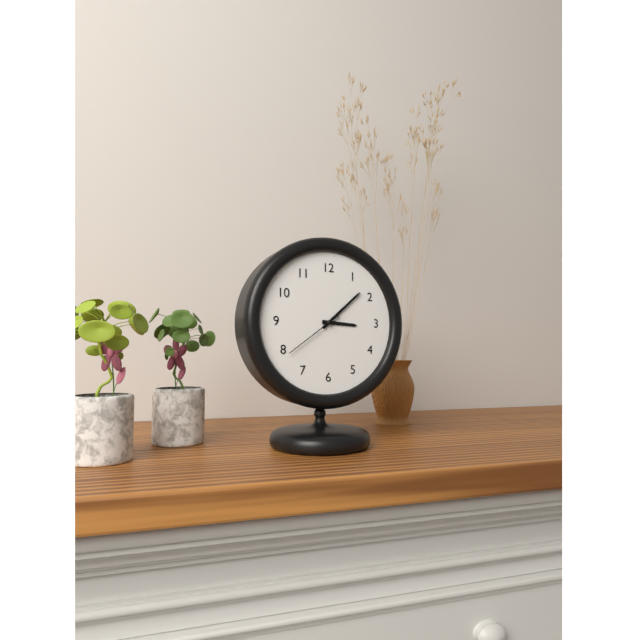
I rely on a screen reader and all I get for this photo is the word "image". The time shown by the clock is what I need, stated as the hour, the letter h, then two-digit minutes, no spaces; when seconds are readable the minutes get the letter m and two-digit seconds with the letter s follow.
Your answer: 3h08m39s
